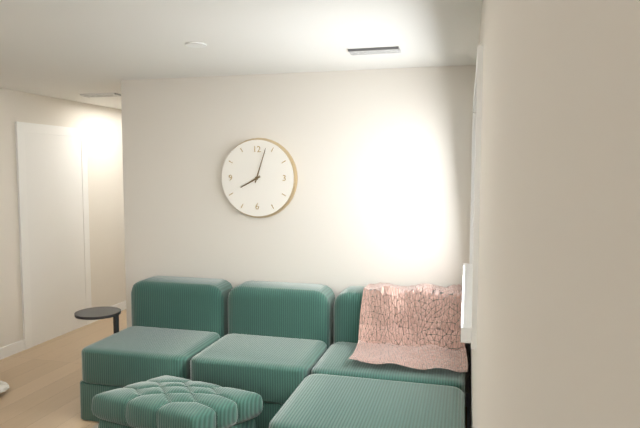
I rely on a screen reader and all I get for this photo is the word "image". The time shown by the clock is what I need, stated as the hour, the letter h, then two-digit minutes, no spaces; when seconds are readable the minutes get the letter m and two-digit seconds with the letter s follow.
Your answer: 8h03
